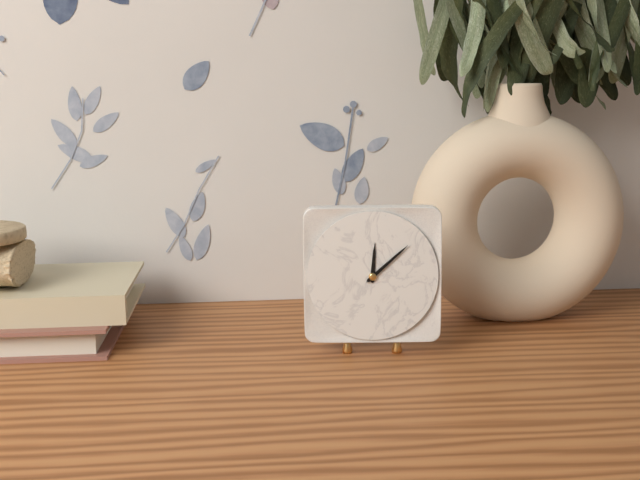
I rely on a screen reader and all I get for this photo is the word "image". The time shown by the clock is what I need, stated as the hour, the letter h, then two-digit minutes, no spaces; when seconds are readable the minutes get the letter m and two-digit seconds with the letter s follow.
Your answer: 12h08
